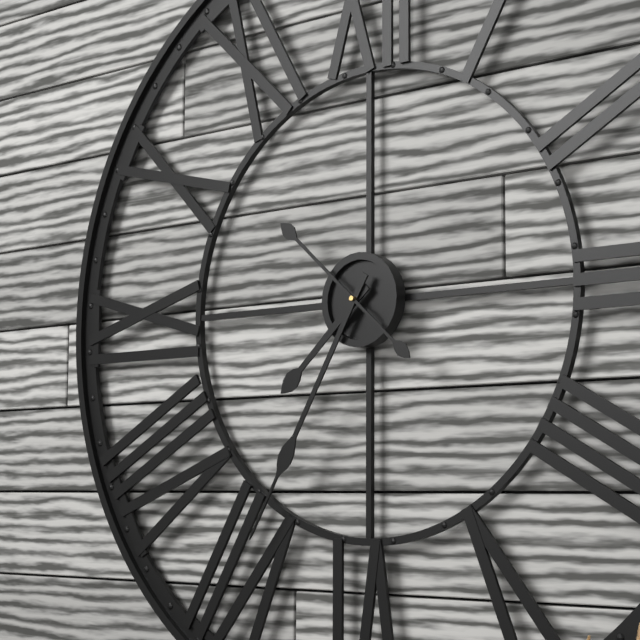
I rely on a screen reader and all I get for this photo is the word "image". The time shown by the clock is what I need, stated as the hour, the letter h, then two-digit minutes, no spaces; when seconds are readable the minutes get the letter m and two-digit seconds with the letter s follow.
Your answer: 7h35m52s
